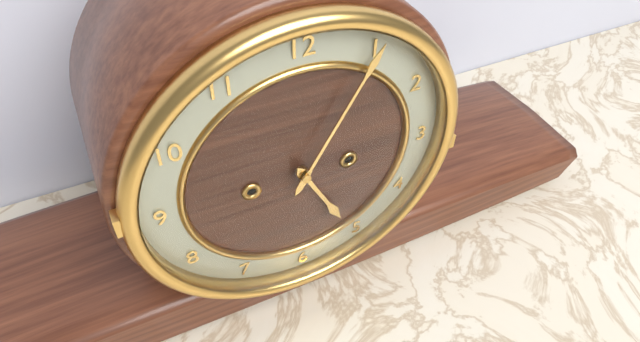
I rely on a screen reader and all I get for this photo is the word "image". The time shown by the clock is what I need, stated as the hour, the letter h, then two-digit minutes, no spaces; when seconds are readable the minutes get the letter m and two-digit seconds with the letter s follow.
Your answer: 5h05
